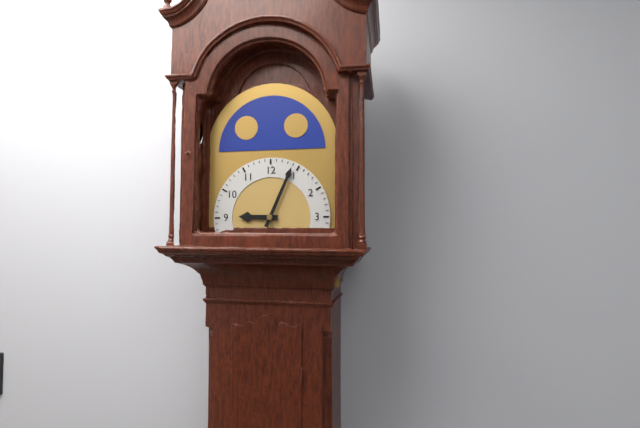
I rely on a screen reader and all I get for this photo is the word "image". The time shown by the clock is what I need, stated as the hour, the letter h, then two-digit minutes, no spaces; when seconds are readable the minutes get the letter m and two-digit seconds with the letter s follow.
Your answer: 9h04
